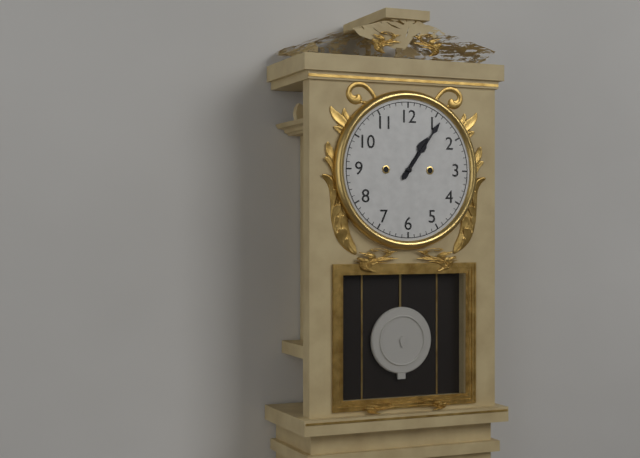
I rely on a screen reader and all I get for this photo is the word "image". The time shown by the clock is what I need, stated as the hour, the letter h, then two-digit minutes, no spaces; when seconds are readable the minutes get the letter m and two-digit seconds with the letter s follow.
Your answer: 1h06
